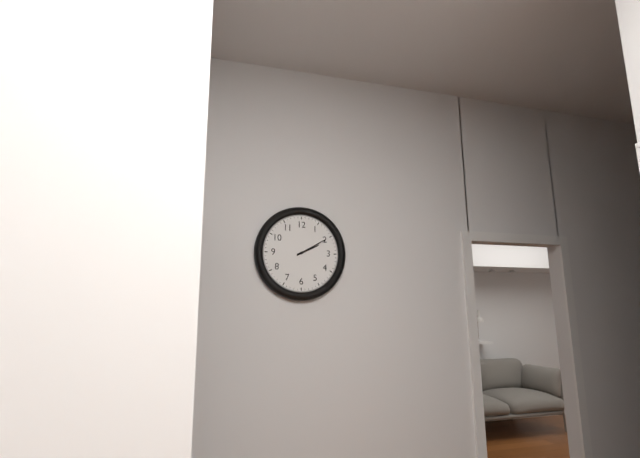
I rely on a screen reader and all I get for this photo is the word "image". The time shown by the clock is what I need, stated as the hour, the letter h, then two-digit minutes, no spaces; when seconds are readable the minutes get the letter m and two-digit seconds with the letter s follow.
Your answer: 2h10
